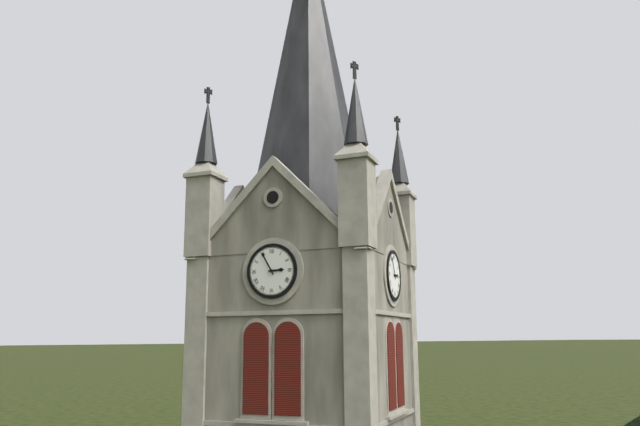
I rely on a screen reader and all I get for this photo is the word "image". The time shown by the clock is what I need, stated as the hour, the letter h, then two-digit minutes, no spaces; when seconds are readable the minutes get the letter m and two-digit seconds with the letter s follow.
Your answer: 2h55
